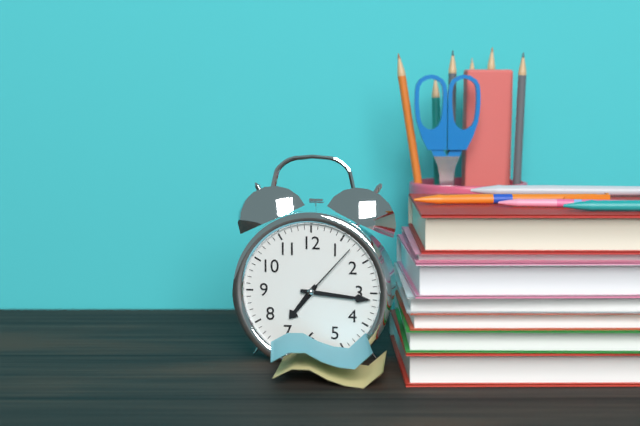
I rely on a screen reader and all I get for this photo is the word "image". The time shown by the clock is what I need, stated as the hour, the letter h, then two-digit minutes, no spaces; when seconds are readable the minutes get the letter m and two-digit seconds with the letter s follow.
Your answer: 7h16m07s
